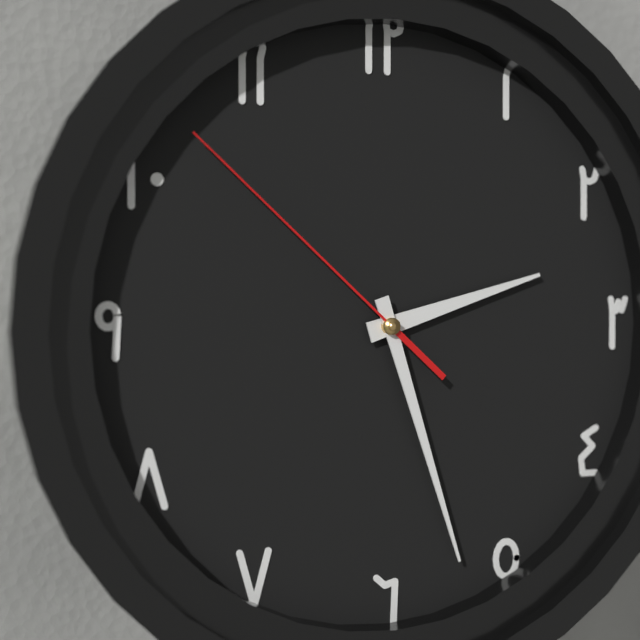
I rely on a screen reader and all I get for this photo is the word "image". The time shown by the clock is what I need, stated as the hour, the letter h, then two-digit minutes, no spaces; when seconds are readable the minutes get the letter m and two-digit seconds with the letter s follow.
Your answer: 2h27m52s
